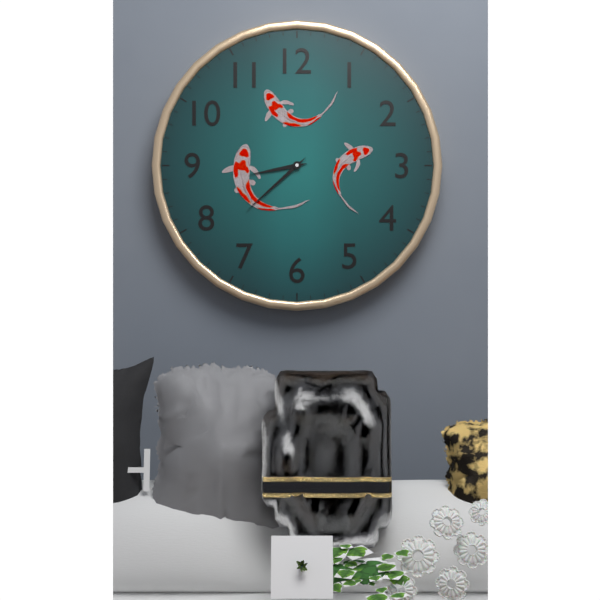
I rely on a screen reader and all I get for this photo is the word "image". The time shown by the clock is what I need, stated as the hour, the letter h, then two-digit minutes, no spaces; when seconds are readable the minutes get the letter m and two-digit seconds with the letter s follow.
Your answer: 8h38
